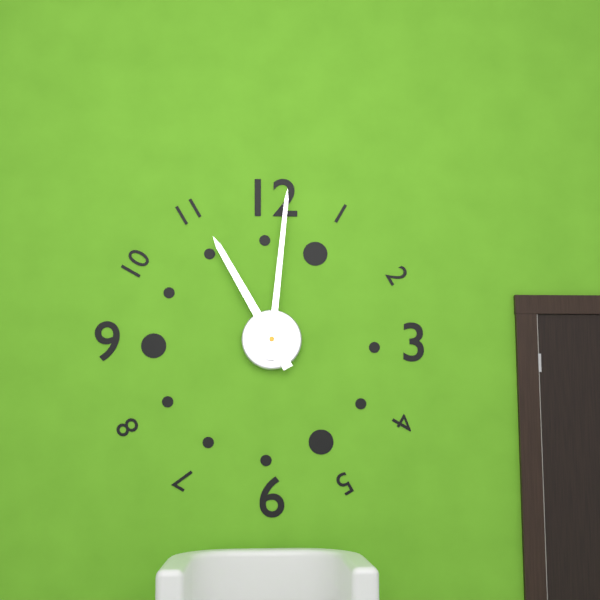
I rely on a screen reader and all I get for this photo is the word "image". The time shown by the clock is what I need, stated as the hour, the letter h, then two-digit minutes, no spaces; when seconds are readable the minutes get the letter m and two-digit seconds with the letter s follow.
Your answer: 11h01
